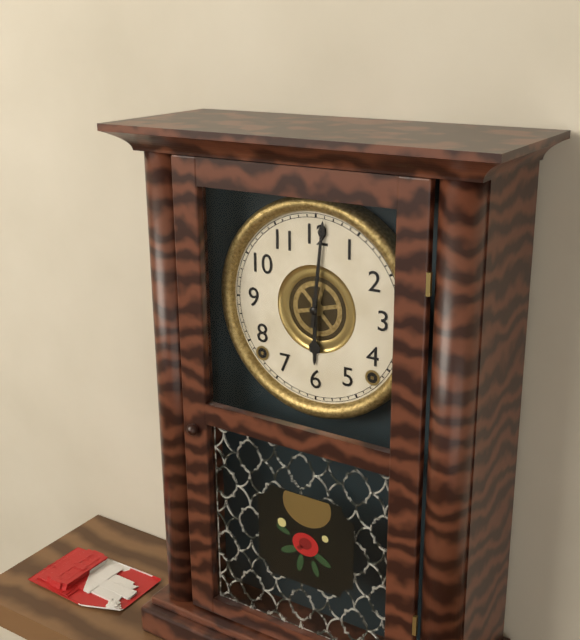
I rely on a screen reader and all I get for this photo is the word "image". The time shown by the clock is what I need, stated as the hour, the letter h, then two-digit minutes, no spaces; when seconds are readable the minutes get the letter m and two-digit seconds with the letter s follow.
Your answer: 6h01
